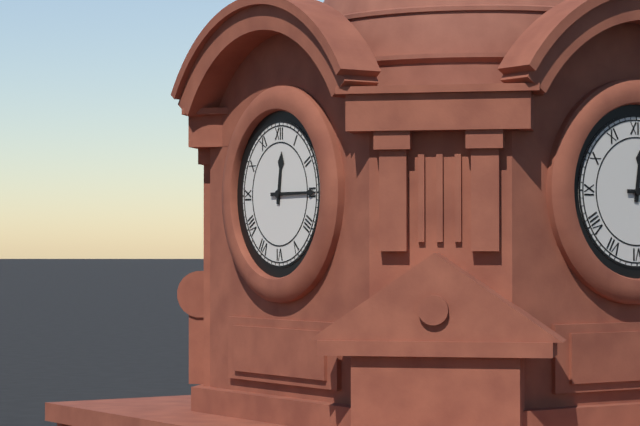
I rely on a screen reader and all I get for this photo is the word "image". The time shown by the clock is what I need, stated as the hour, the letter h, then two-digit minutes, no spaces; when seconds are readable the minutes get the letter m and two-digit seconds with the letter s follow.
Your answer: 12h15
